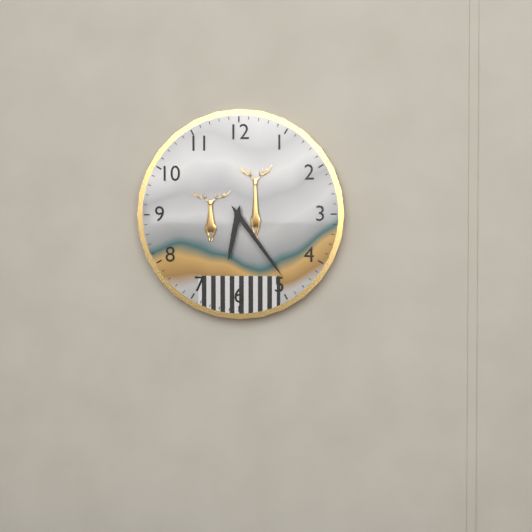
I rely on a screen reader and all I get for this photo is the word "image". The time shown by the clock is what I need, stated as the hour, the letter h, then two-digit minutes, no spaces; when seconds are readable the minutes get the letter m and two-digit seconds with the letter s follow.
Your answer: 6h24
